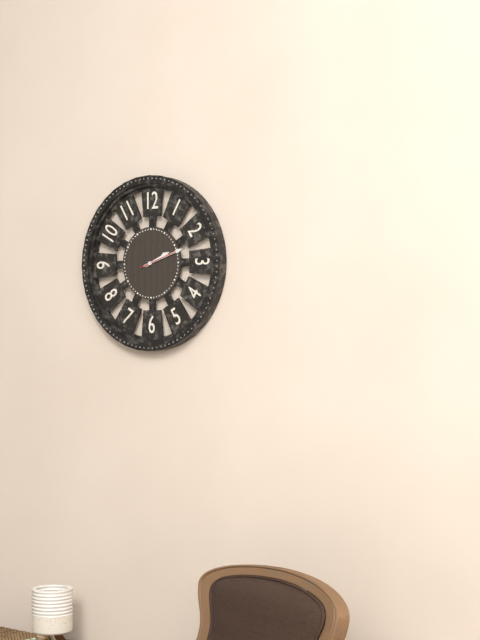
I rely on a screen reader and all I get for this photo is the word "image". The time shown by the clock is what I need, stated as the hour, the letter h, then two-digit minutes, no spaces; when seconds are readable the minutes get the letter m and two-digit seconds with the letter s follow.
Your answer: 2h12
